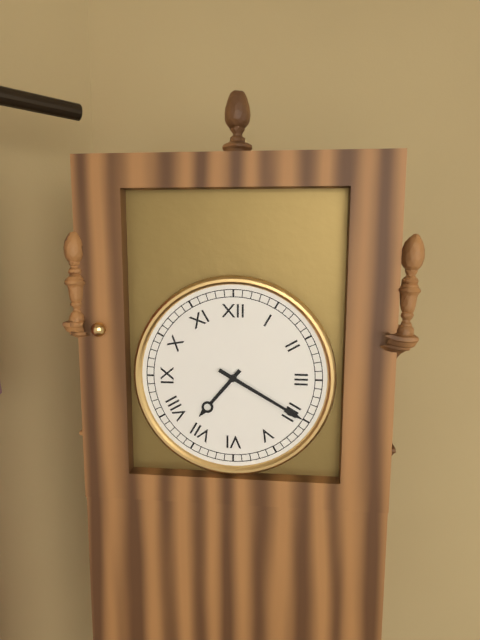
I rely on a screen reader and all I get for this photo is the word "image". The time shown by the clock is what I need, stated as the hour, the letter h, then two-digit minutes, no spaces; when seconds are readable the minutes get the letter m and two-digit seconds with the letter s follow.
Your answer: 7h20
